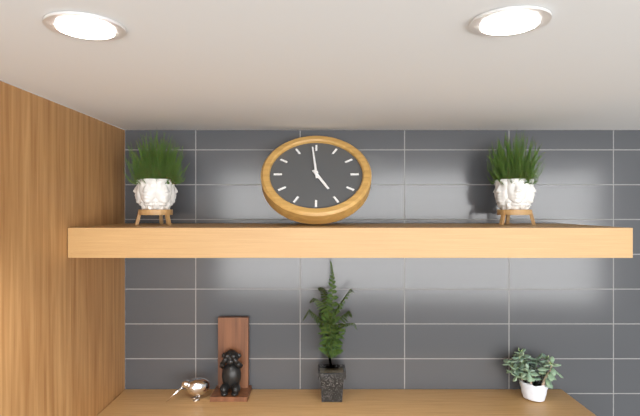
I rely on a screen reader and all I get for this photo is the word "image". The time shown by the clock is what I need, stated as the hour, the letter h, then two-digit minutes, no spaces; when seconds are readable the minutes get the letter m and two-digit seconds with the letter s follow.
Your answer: 4h59
